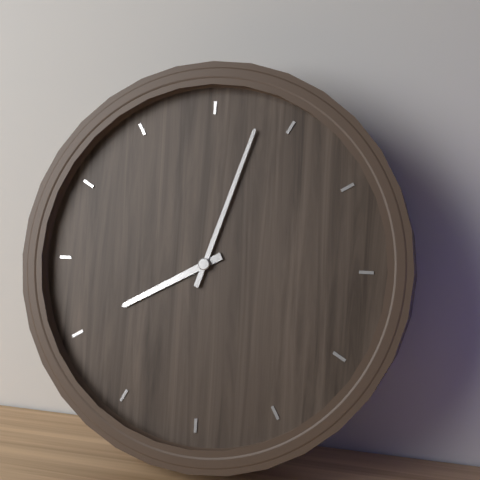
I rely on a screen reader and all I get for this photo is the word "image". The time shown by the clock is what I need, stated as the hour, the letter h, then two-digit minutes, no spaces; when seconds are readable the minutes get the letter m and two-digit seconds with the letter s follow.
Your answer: 8h03
